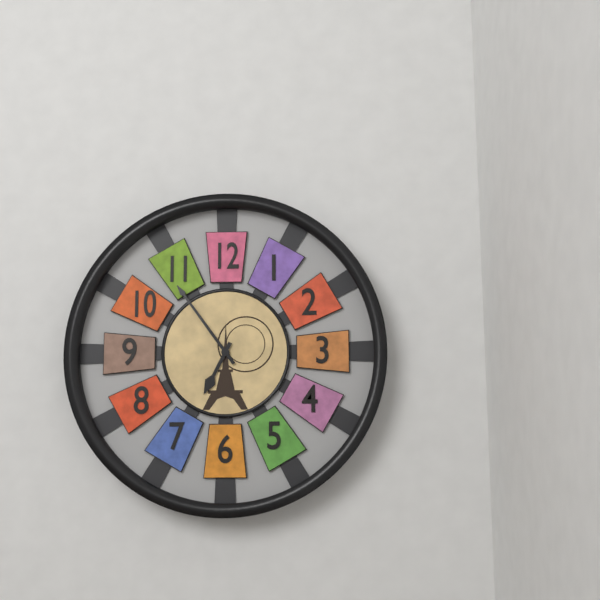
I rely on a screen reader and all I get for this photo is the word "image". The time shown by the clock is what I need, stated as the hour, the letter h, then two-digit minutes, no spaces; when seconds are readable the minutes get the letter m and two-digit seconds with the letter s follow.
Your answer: 6h54
